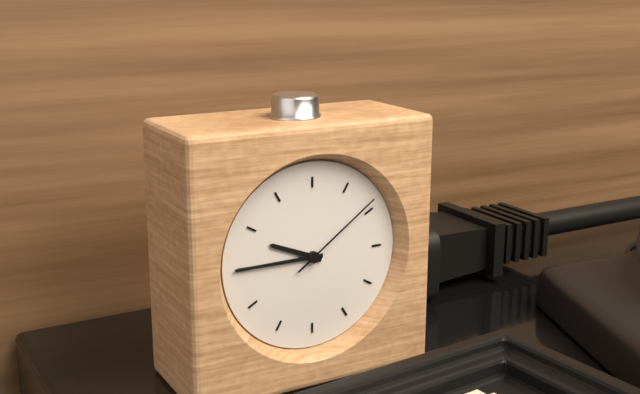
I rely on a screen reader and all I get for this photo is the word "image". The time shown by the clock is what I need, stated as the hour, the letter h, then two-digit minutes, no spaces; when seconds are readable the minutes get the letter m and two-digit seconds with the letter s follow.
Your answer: 9h45m09s
